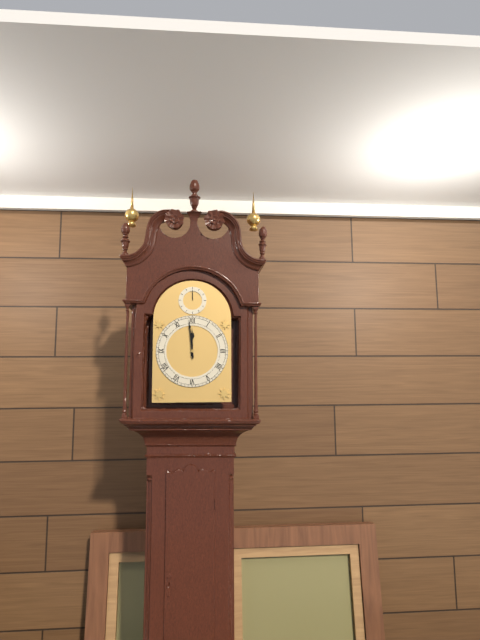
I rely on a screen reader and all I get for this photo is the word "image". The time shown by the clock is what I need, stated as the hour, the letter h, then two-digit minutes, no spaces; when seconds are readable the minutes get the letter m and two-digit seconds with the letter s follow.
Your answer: 11h59
